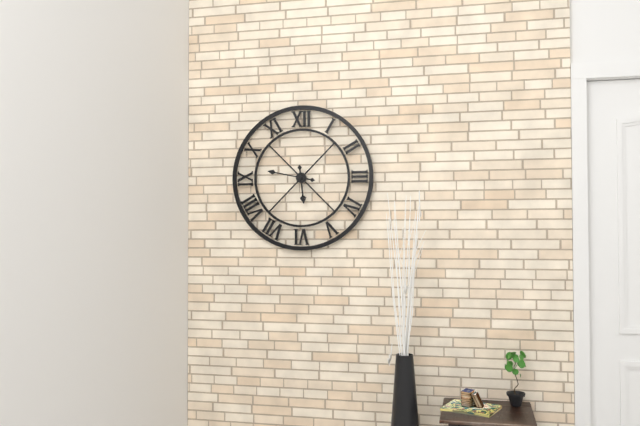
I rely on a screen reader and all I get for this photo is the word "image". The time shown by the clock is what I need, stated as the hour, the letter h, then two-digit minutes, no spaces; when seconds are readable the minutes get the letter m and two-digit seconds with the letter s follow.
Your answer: 5h47
